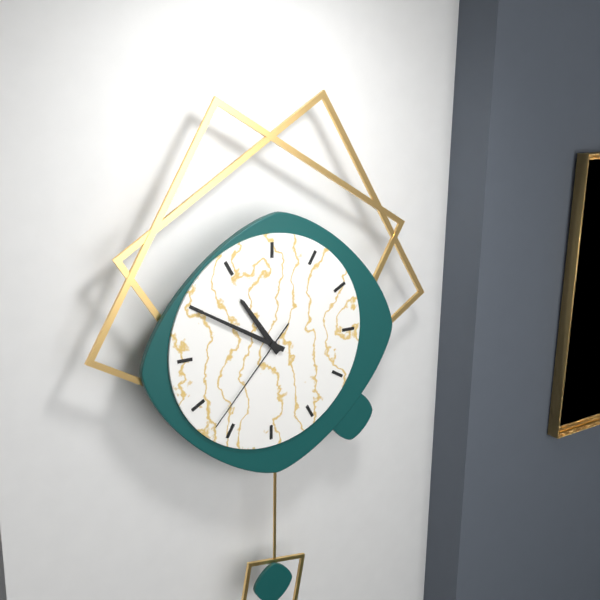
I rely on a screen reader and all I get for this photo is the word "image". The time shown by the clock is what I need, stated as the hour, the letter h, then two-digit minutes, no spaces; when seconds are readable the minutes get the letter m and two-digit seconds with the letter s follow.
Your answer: 10h50m37s
